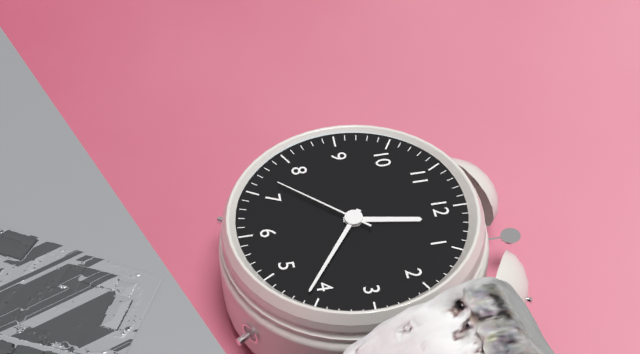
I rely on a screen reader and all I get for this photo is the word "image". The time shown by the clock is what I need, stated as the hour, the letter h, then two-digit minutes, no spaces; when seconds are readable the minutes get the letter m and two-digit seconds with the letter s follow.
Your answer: 12h21m37s
